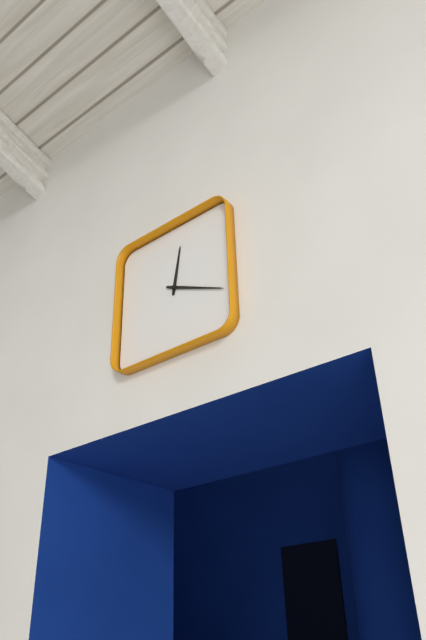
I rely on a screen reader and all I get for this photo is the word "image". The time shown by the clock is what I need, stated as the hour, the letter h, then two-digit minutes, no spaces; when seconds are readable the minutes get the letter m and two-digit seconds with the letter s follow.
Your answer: 12h19
